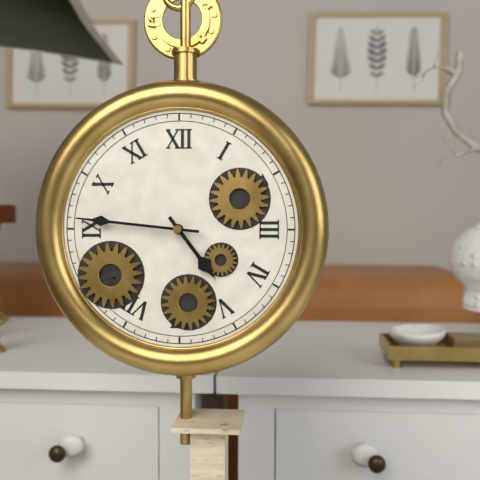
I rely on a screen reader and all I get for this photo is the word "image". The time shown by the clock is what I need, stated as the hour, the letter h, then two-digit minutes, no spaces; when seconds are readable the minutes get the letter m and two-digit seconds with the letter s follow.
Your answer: 4h46
